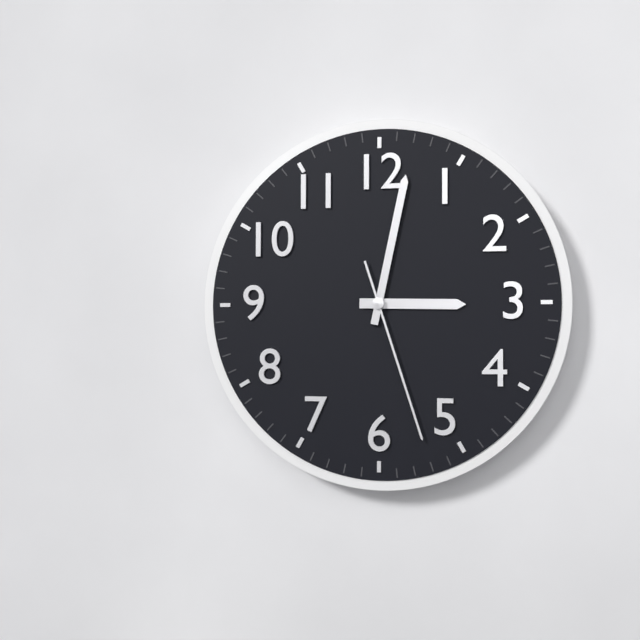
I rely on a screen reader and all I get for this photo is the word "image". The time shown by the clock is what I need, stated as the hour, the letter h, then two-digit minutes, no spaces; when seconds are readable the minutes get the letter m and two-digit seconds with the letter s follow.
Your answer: 3h02m27s
